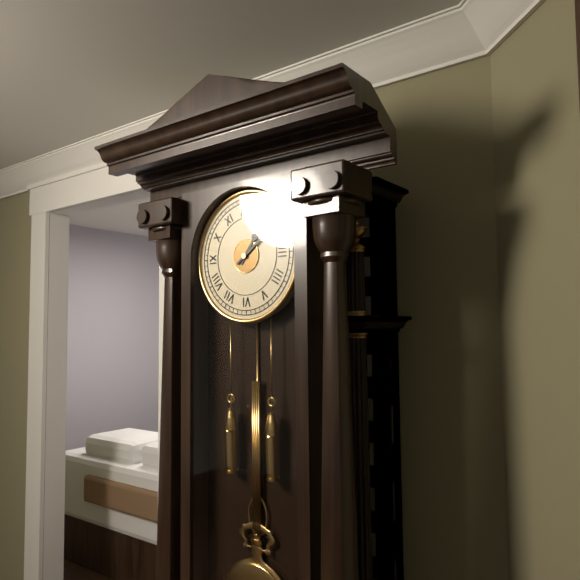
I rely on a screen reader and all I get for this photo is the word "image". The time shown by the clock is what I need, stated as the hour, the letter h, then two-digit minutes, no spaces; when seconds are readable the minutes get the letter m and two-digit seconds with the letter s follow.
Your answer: 1h09
